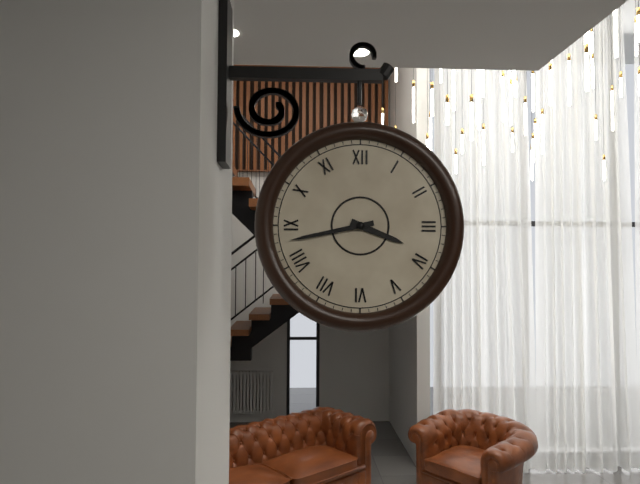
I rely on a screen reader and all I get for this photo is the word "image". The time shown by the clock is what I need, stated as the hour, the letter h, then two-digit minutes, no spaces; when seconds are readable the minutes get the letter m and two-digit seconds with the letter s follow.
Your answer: 3h43
